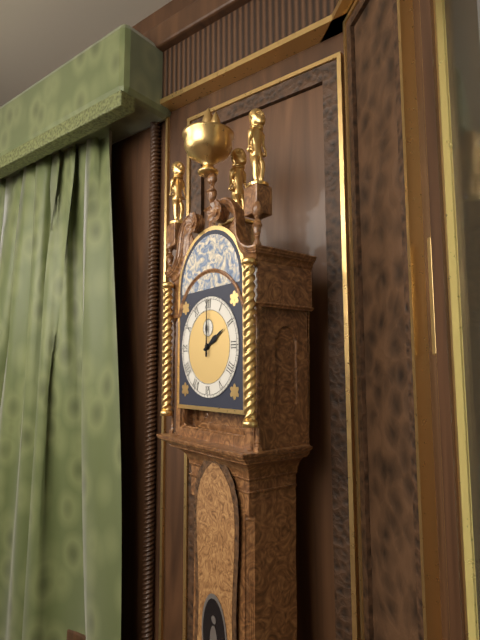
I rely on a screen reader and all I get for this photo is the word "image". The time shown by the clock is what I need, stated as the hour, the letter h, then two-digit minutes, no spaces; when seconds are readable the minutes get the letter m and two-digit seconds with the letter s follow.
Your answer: 2h00
